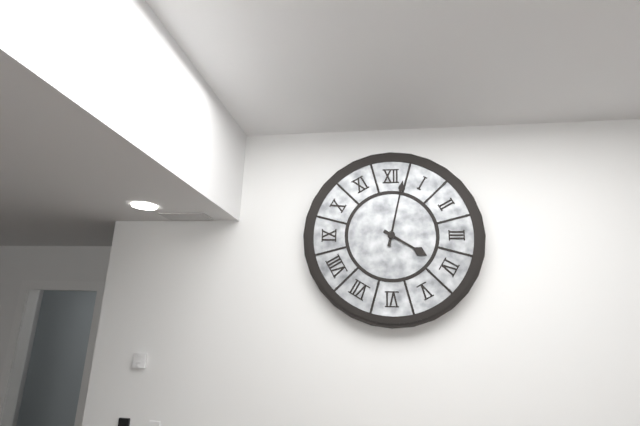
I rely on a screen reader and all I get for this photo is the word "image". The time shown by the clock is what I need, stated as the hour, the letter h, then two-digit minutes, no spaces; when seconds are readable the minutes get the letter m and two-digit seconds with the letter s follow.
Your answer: 4h02
